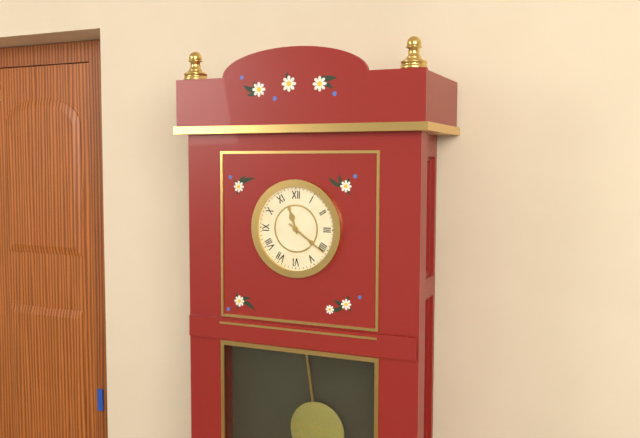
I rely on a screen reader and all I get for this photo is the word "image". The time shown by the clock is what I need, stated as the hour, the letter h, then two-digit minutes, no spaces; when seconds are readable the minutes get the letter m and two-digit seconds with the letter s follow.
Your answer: 11h21
